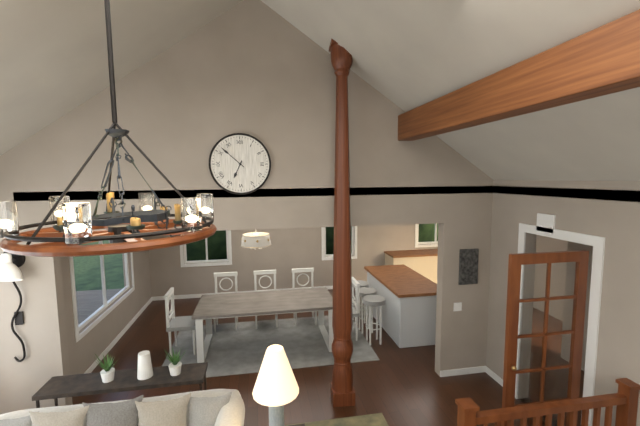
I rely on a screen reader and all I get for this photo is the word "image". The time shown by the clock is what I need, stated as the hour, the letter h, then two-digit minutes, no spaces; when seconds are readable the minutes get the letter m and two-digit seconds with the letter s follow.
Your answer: 6h52
